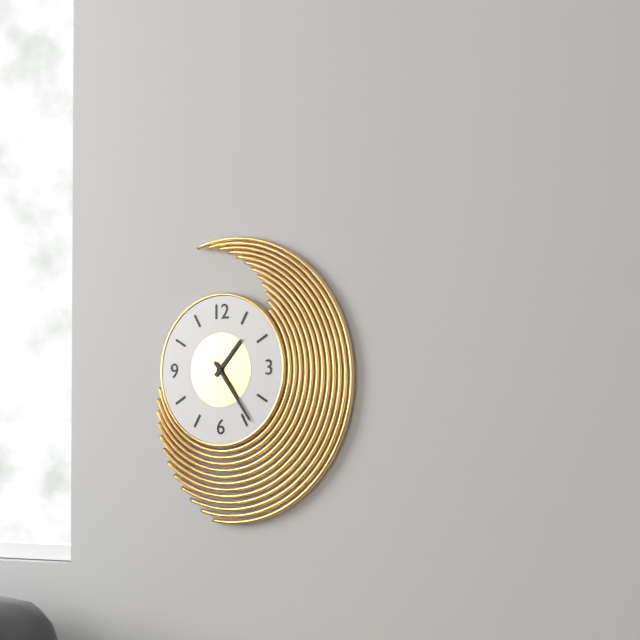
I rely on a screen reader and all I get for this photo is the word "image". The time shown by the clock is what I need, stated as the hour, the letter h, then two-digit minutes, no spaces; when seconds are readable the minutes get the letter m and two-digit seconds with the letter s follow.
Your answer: 1h24
